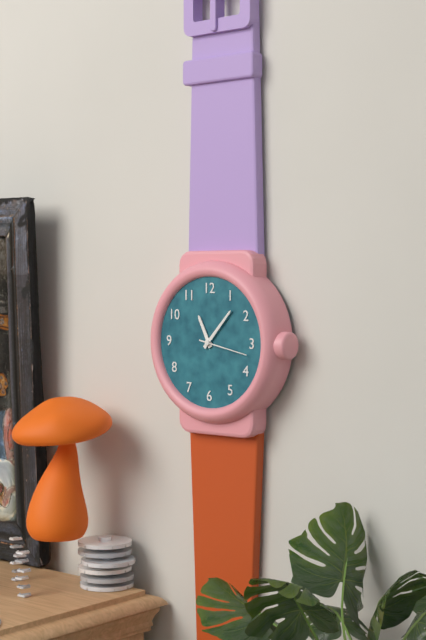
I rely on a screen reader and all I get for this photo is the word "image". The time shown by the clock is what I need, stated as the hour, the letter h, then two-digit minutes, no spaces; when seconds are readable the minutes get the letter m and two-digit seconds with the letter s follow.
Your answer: 11h07m17s
